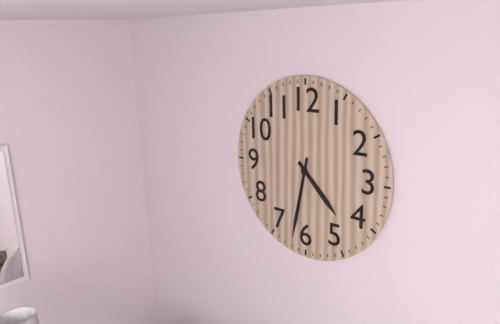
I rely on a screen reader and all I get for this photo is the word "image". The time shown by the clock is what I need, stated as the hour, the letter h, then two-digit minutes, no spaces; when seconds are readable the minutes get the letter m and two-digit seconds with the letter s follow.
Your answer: 4h32
